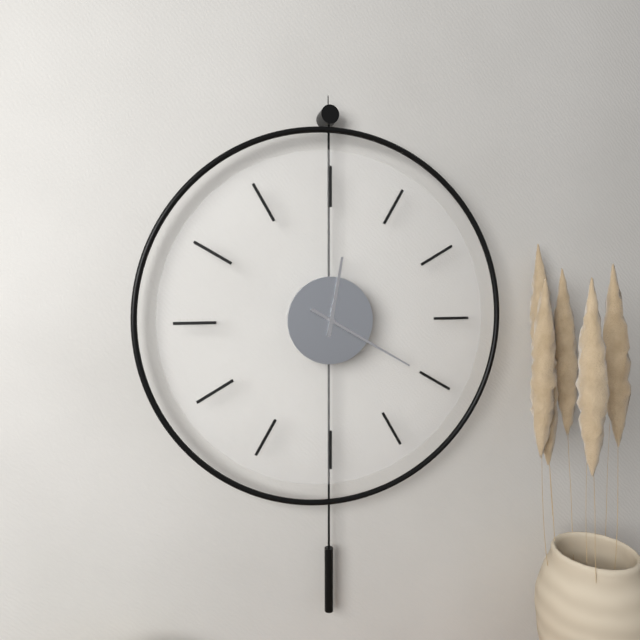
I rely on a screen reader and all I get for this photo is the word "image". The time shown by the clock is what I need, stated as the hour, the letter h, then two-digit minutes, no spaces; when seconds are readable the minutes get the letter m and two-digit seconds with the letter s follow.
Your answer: 12h20
